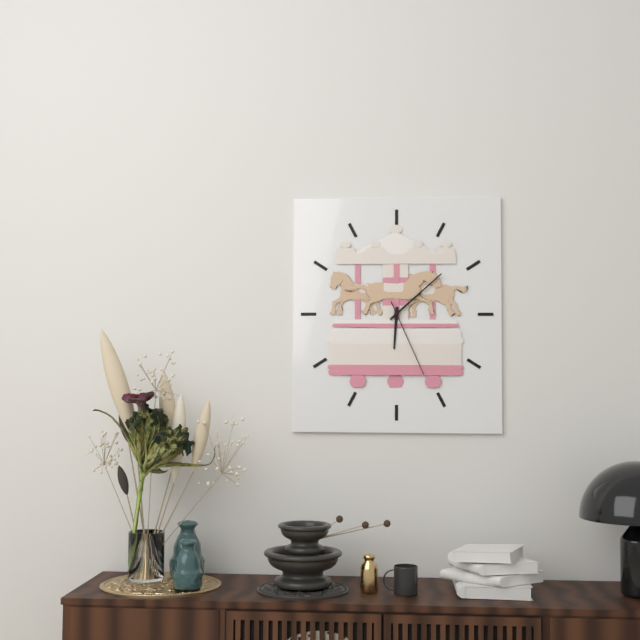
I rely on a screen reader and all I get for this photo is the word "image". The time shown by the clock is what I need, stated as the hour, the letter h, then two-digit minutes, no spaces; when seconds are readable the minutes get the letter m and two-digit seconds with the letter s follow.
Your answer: 6h08m26s
